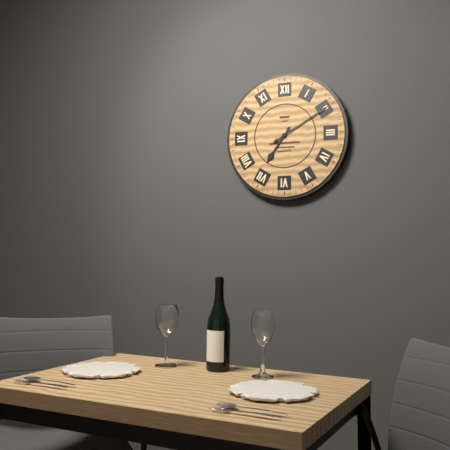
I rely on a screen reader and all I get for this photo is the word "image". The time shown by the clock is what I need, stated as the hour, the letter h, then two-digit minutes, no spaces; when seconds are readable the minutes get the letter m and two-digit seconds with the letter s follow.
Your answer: 7h10
